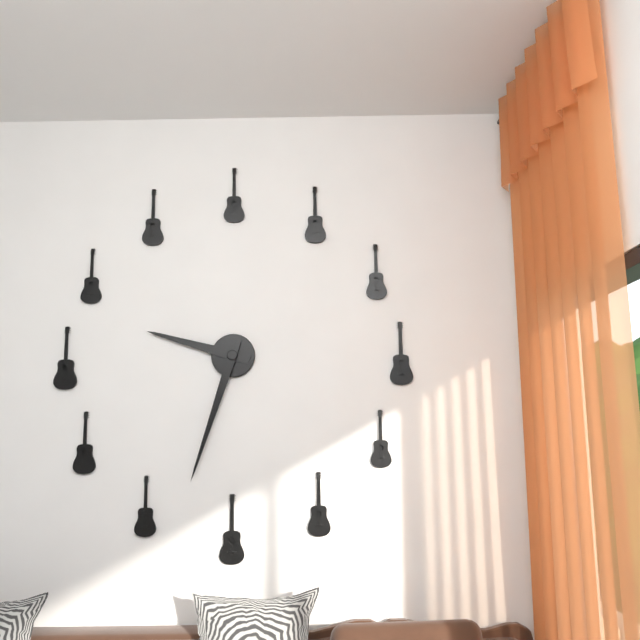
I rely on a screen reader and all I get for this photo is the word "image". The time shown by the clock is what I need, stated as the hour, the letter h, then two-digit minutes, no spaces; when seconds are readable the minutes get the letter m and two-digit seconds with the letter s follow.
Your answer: 9h33
